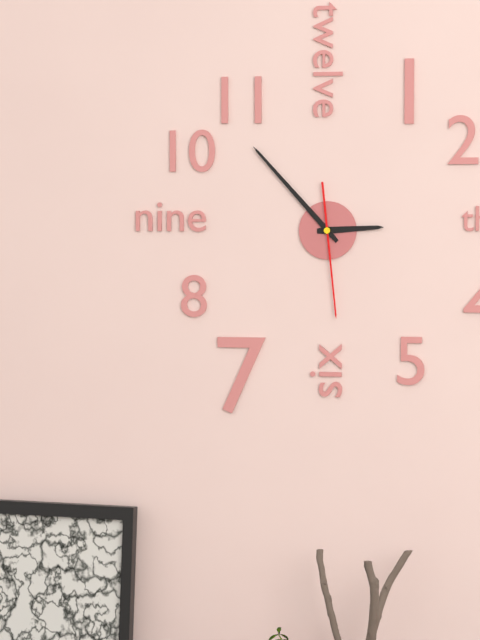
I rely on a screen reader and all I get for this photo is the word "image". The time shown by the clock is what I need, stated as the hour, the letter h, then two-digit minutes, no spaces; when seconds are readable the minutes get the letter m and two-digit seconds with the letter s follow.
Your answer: 2h53m29s
